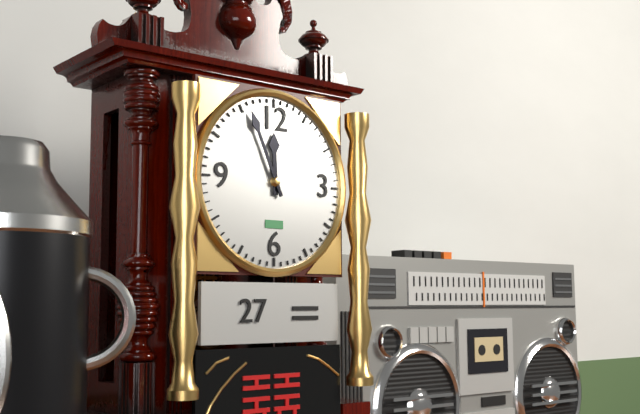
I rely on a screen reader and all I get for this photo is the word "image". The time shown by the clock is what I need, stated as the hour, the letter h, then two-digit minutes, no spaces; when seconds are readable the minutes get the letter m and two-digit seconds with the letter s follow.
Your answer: 11h56
